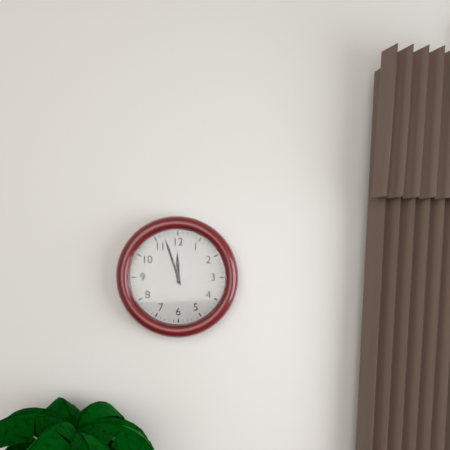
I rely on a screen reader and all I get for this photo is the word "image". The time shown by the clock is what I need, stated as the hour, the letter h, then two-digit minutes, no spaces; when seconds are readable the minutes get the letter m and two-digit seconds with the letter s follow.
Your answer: 11h57
